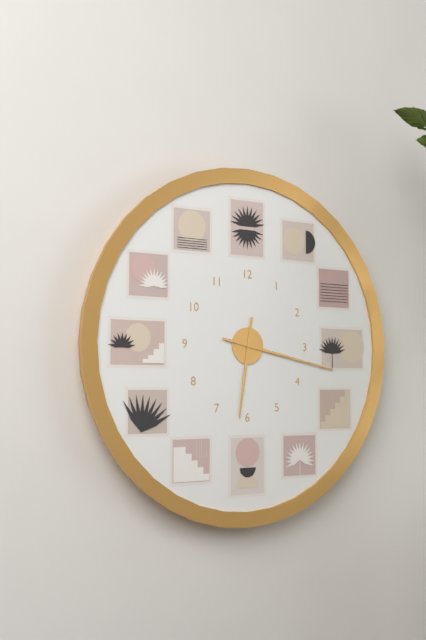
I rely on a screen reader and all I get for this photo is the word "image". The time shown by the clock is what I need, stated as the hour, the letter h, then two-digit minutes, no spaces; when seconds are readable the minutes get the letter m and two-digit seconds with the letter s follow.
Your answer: 6h17
